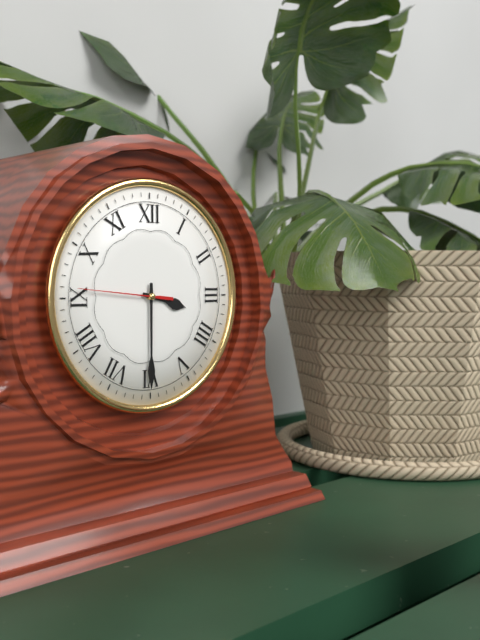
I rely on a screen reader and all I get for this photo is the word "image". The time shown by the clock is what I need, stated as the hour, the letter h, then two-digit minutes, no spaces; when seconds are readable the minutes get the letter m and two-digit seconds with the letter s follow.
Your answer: 3h30m46s
